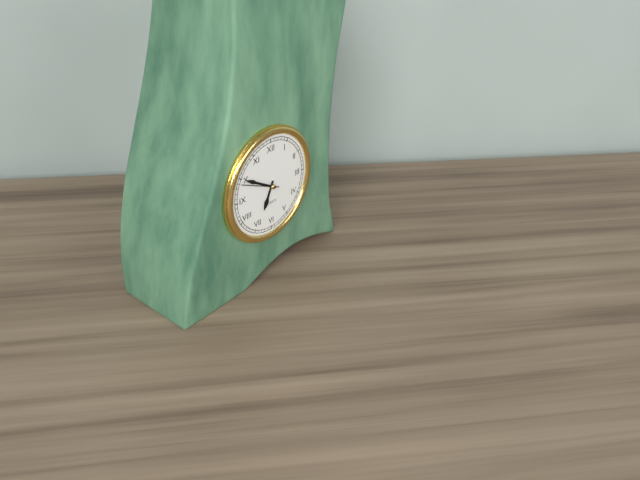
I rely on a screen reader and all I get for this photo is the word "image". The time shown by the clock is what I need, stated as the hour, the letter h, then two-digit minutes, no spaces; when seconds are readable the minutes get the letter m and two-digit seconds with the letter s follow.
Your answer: 6h50
